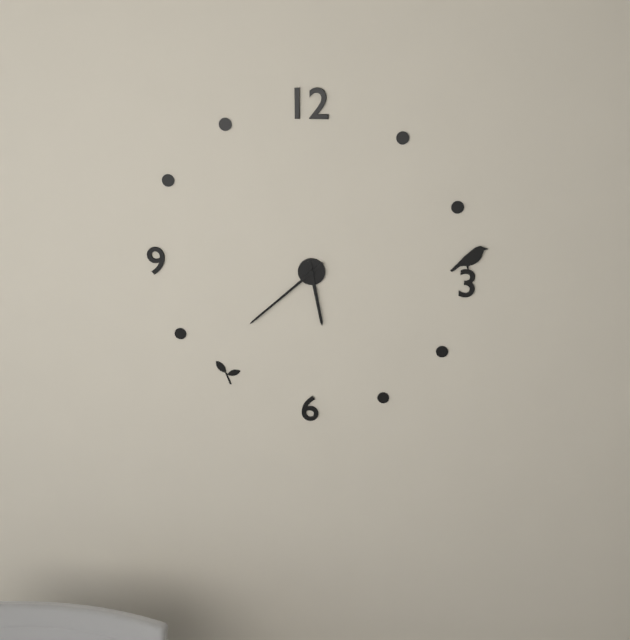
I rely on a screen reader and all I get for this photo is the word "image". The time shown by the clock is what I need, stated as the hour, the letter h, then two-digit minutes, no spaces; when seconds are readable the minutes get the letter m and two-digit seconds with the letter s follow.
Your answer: 5h38
